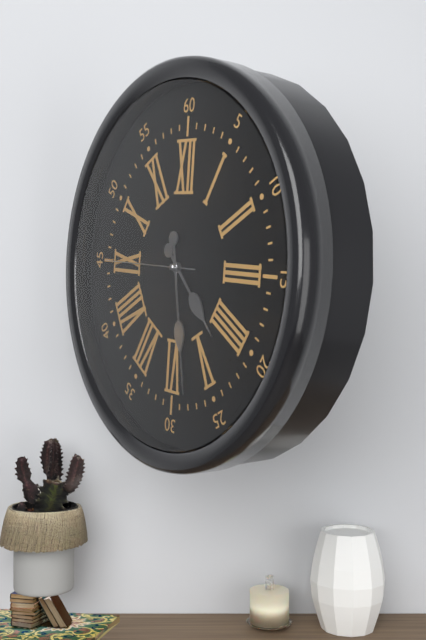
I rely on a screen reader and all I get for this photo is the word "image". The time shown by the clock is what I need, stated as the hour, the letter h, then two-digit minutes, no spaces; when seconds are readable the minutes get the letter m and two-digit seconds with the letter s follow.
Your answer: 4h28m45s
